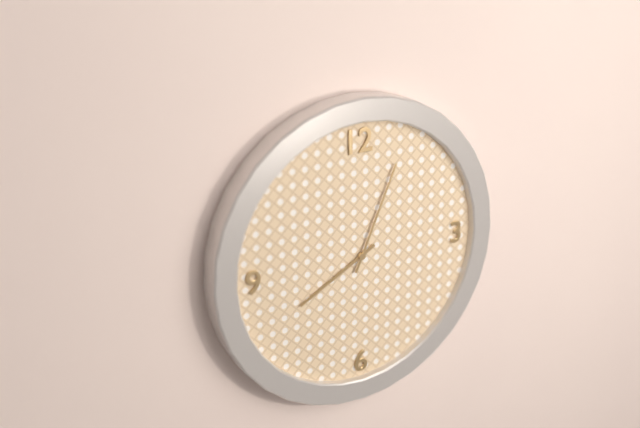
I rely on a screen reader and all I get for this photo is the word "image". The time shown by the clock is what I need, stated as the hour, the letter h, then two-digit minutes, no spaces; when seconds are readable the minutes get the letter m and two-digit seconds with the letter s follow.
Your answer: 8h04
